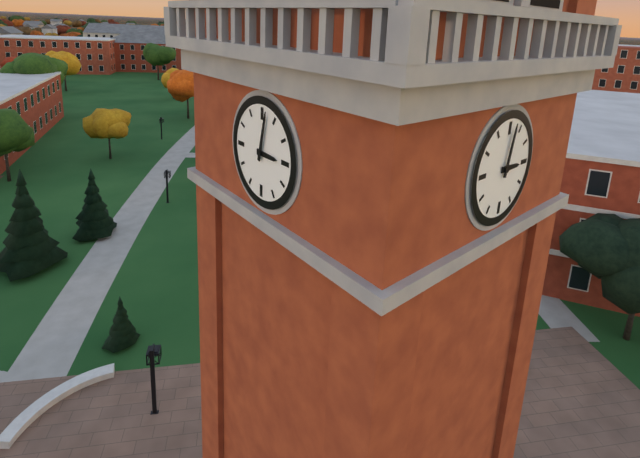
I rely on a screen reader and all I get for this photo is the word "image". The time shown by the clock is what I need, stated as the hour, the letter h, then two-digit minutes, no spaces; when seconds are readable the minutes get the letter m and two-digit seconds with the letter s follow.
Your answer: 3h02
